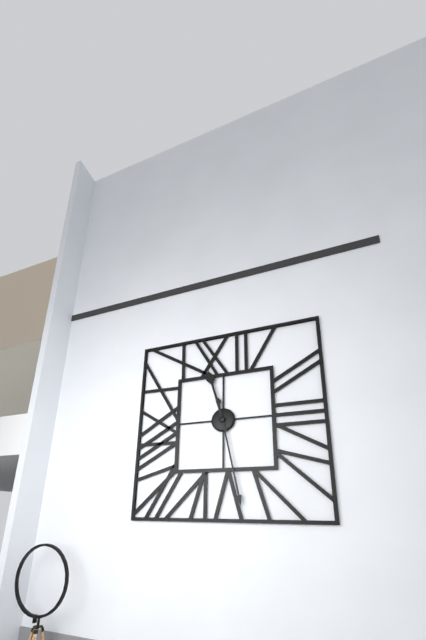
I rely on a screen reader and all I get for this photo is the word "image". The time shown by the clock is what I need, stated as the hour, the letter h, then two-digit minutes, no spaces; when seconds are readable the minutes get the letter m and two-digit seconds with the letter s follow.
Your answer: 11h28
